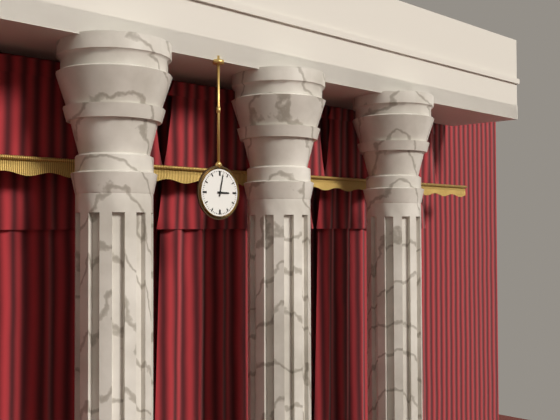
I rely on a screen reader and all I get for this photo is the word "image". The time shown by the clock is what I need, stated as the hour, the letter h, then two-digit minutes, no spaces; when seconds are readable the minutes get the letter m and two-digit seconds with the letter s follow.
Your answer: 3h02
